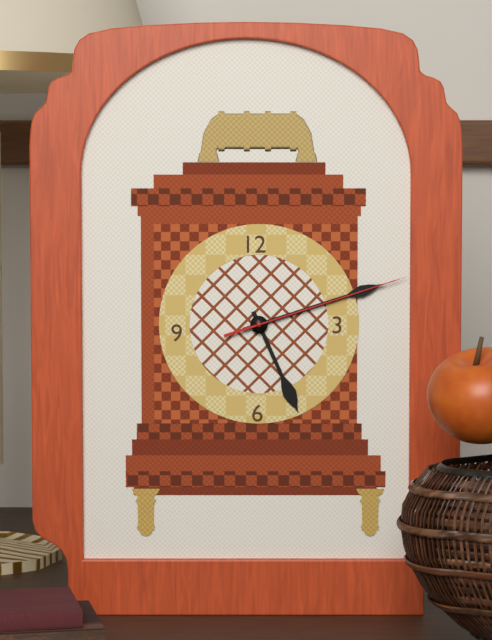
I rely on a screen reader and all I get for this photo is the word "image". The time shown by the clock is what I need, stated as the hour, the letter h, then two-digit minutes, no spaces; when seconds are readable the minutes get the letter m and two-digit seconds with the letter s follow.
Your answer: 5h12m12s
